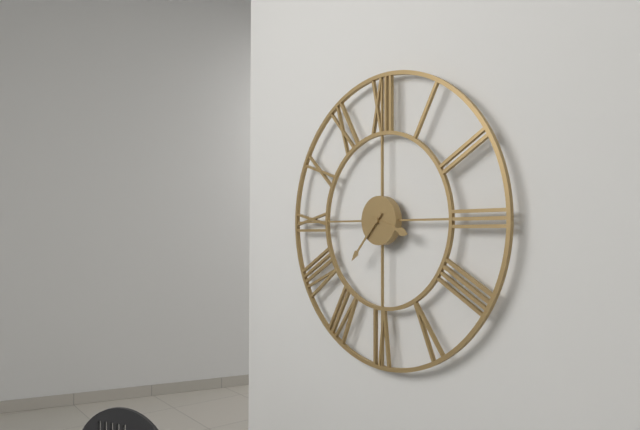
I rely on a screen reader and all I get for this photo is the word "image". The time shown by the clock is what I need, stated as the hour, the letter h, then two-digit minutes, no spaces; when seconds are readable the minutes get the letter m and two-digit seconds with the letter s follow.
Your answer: 3h37
